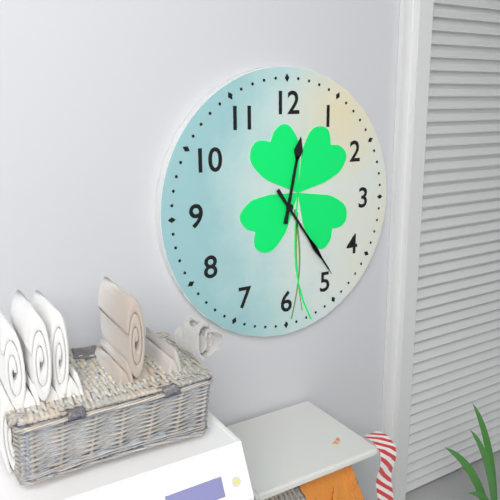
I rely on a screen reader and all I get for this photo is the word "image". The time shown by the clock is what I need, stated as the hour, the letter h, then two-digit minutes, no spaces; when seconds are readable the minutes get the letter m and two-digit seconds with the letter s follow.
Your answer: 12h24
